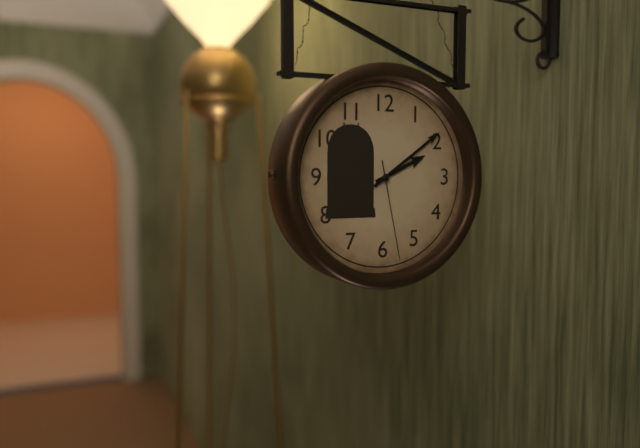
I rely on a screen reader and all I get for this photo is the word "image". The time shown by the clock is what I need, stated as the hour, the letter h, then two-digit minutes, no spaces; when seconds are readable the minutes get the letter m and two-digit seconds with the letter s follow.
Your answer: 2h09m28s
